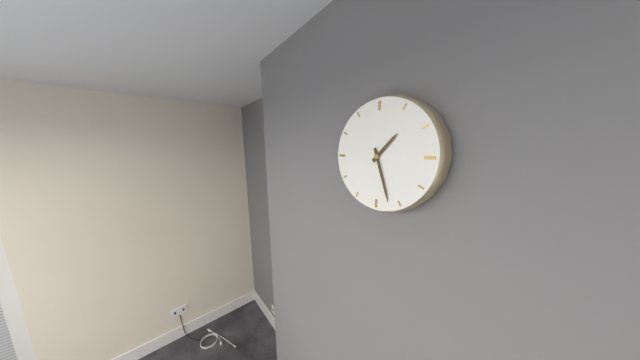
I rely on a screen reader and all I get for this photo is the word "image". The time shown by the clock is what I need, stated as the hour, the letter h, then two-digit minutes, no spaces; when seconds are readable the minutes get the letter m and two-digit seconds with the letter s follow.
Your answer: 1h27
